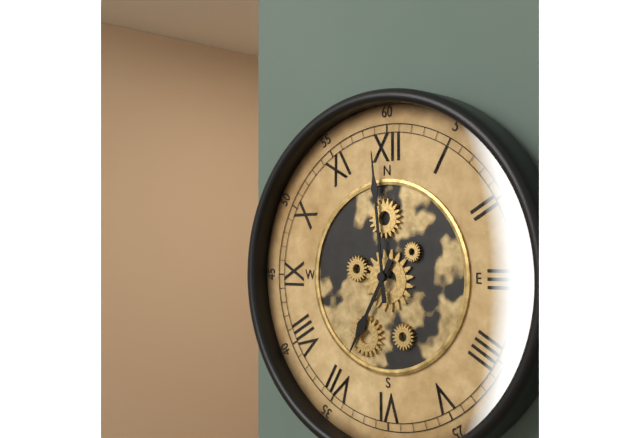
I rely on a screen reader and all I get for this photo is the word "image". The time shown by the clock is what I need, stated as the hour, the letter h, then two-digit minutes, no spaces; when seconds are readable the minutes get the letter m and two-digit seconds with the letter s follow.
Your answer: 6h59
